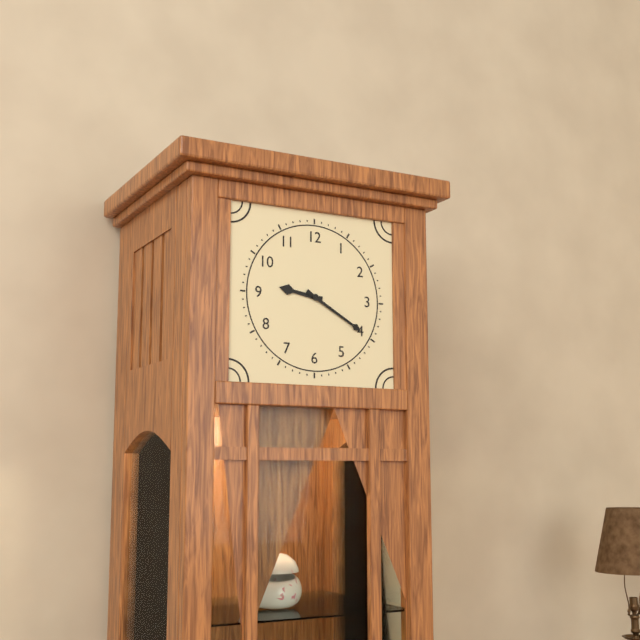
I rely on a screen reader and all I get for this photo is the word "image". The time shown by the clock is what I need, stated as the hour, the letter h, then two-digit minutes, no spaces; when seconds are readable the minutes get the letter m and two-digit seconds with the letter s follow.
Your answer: 9h20
